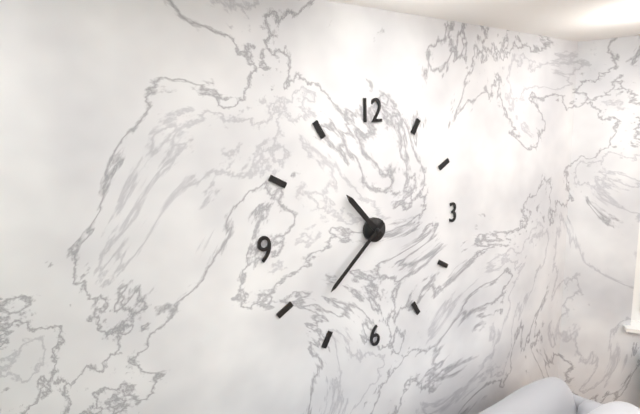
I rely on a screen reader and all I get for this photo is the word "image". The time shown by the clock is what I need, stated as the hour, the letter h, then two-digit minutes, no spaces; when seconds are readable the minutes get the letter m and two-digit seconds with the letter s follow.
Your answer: 10h38
